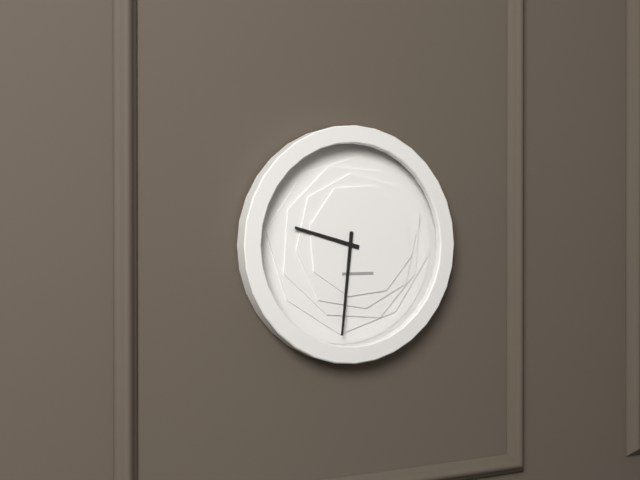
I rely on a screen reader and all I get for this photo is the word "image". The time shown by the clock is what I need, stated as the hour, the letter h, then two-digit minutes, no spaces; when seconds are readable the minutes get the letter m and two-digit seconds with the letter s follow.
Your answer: 9h31
